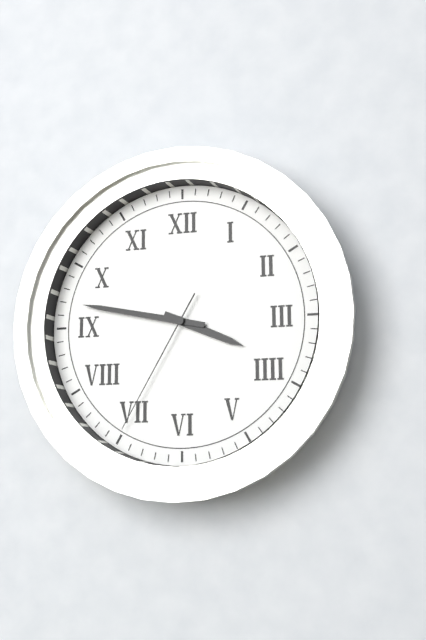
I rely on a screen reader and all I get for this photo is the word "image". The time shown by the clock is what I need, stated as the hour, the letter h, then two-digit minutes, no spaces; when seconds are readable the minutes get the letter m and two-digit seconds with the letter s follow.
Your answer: 3h47m35s
